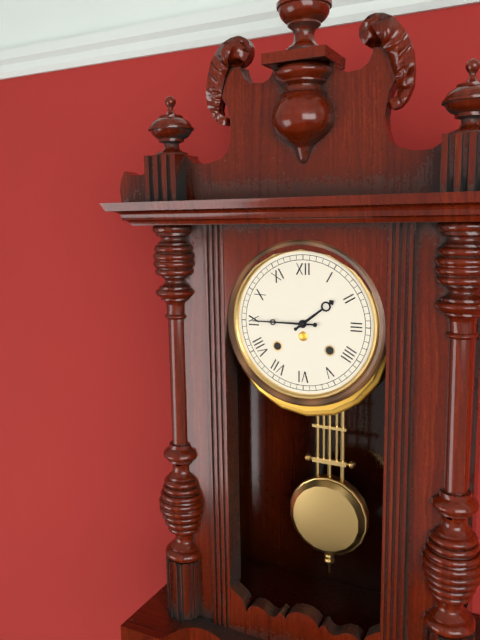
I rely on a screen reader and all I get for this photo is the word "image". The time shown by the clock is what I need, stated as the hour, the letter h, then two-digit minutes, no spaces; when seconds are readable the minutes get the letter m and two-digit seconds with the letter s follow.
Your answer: 1h45
